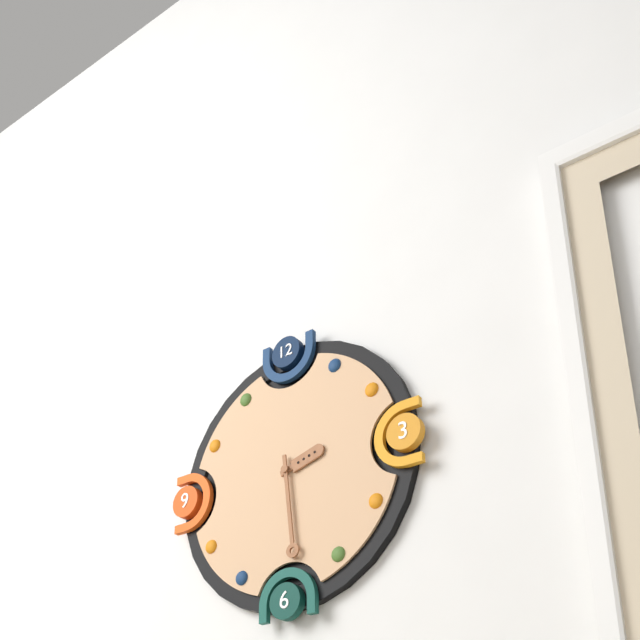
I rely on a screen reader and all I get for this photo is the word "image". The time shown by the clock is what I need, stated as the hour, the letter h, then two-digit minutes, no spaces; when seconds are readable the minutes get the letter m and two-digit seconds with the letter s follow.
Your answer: 2h29
